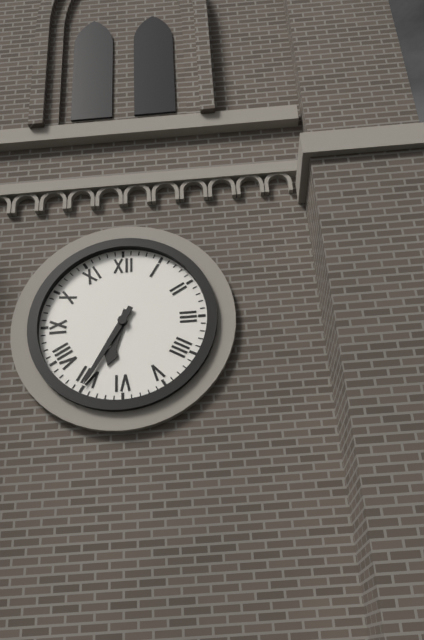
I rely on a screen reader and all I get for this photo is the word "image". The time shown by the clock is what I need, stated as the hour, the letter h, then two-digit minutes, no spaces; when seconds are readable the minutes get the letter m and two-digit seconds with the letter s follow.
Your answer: 6h35
